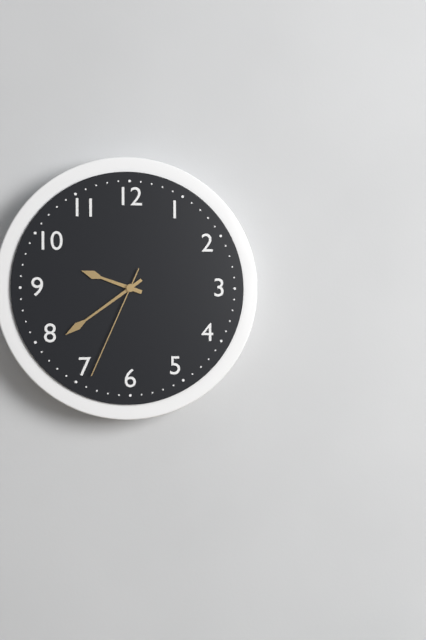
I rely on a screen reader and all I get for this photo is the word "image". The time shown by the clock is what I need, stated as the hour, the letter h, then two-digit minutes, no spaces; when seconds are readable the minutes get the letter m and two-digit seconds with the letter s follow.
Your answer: 9h39m34s
